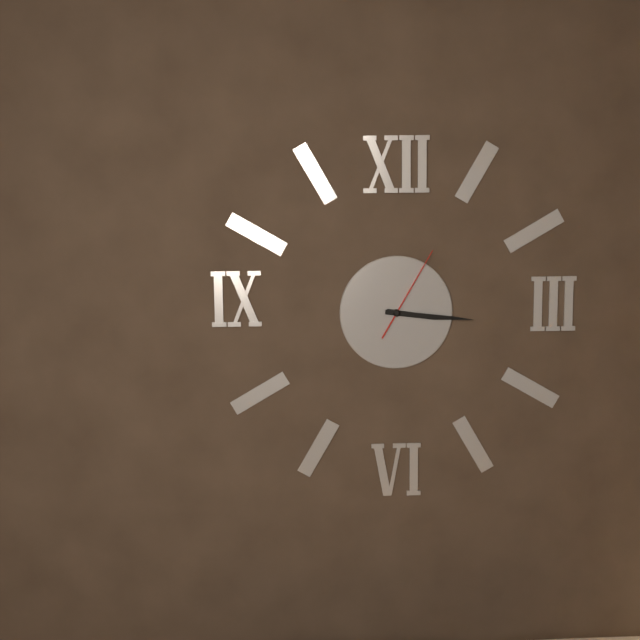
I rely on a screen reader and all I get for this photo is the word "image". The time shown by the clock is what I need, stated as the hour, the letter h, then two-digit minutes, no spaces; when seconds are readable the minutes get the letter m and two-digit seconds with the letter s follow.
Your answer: 3h16m05s
